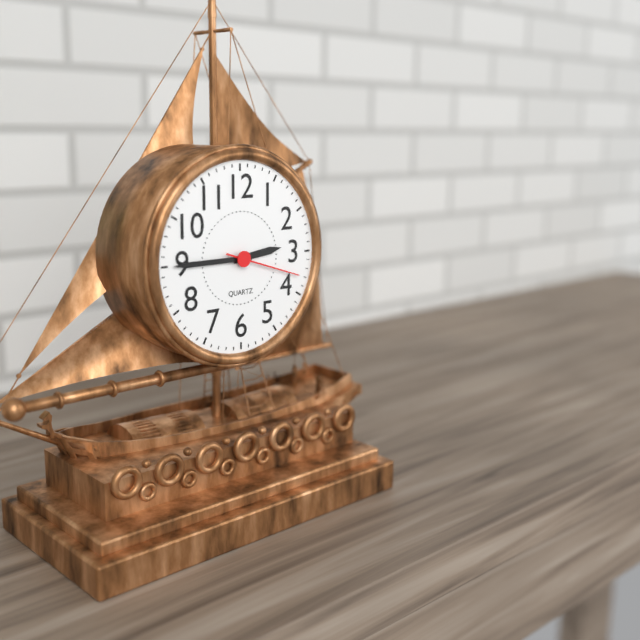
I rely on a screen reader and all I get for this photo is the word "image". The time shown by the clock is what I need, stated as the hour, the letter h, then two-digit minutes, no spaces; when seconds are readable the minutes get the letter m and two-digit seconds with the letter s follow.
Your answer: 2h45m18s
